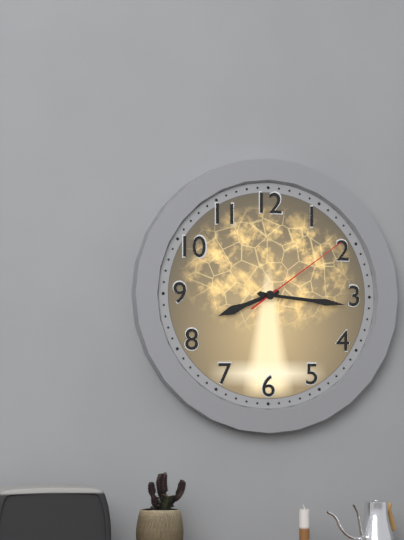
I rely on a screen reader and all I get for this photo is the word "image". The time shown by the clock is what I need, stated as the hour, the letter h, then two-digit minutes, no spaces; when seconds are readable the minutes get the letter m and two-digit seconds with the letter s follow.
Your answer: 8h16m09s
